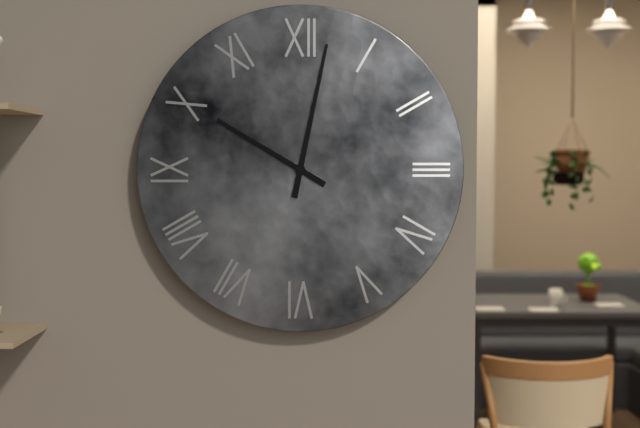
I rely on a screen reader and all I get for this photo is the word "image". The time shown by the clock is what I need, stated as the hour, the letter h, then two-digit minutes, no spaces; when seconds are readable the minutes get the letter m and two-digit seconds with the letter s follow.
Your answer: 10h02
